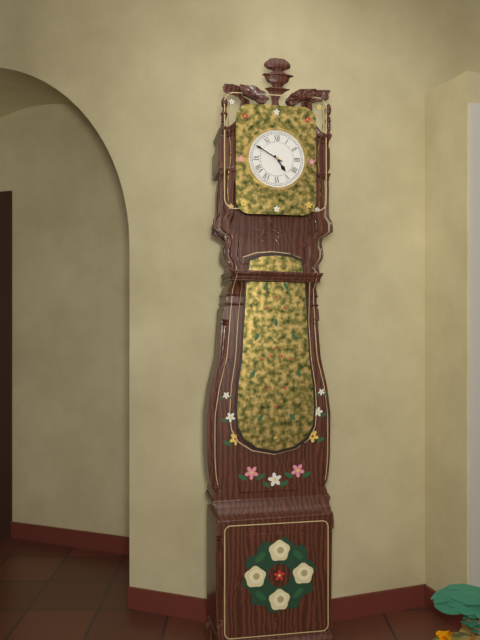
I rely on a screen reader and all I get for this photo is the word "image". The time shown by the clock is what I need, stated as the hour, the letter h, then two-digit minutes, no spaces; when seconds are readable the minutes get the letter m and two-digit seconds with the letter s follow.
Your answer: 4h50
